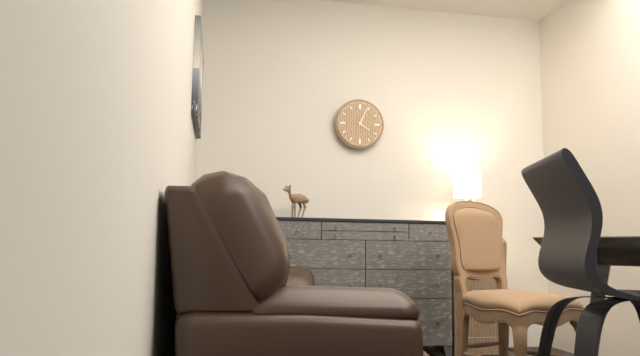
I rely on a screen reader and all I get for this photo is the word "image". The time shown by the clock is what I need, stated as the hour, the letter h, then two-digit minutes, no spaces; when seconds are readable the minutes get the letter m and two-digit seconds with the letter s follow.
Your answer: 4h04
